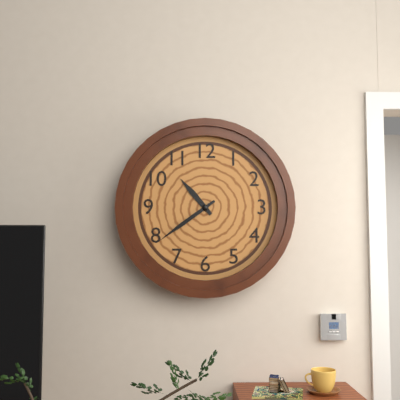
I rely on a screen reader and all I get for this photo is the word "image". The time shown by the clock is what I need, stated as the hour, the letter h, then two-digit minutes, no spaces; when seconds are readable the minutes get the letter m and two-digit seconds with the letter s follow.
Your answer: 10h39
